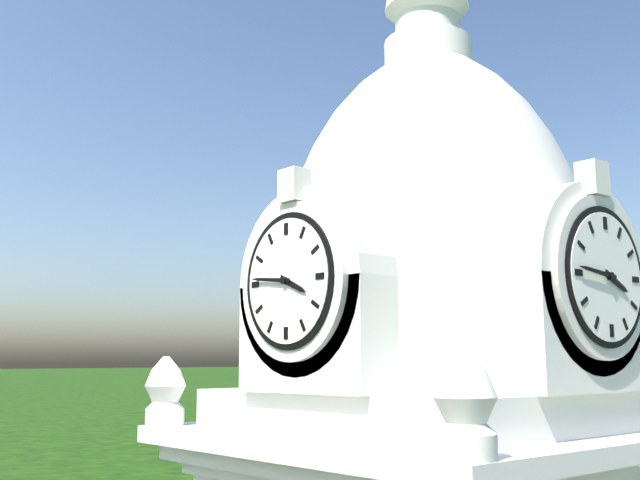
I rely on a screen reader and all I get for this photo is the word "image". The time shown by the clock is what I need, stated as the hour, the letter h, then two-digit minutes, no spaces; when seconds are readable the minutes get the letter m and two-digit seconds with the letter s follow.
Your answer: 3h46
